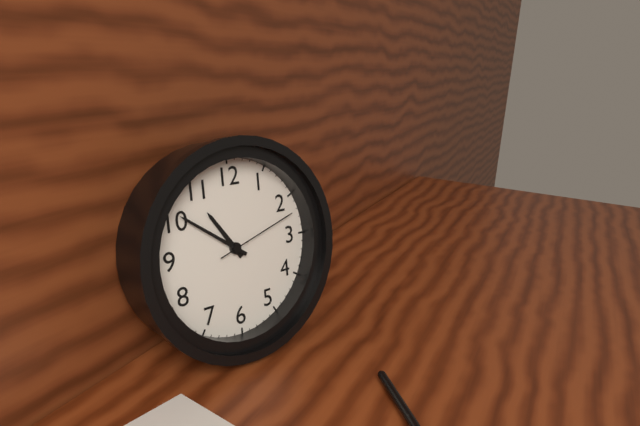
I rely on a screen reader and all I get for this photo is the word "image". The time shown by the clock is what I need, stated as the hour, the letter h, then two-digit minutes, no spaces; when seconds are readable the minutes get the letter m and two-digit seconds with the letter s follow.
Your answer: 10h51m12s
